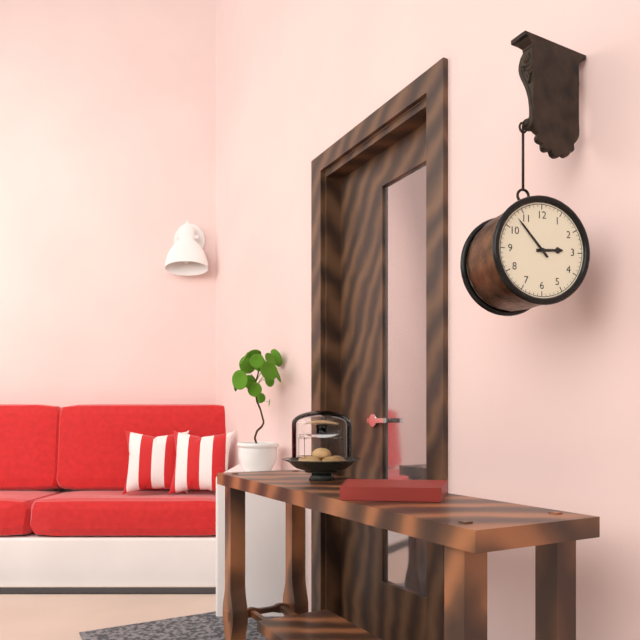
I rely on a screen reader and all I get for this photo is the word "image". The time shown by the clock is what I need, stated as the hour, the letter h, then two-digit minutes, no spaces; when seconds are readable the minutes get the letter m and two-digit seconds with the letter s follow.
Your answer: 2h53
